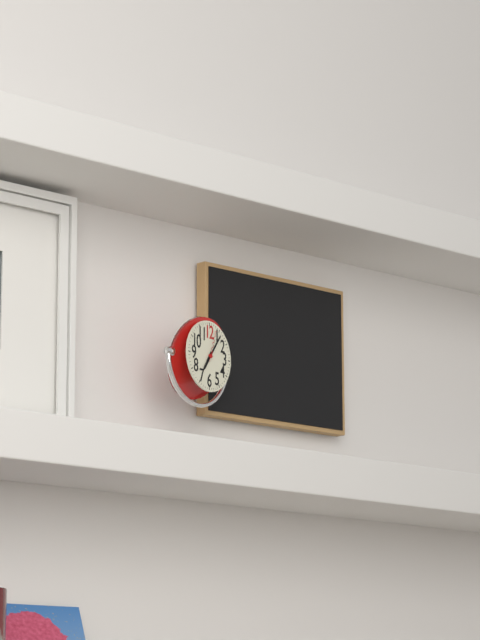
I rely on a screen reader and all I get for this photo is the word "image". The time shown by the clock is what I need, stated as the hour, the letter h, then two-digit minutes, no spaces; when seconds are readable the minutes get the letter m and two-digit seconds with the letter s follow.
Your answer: 7h06
